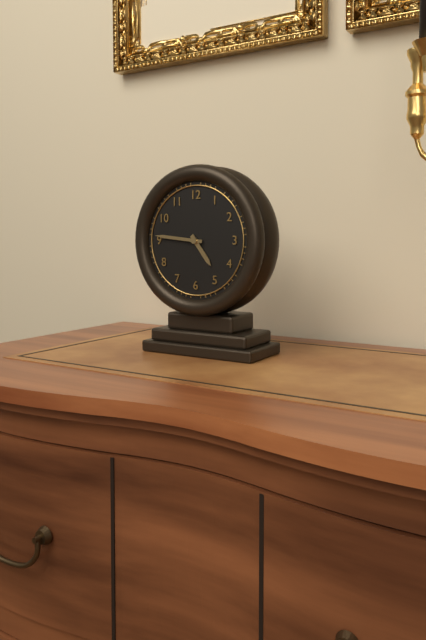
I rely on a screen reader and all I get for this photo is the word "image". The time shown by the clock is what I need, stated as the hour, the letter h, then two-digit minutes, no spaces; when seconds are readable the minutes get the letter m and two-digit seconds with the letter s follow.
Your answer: 4h46
